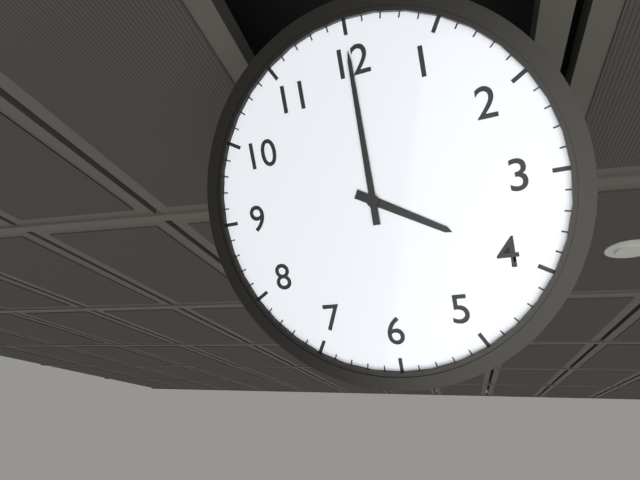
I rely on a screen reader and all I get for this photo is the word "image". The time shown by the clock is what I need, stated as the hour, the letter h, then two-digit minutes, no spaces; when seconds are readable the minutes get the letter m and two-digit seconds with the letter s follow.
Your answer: 4h00
